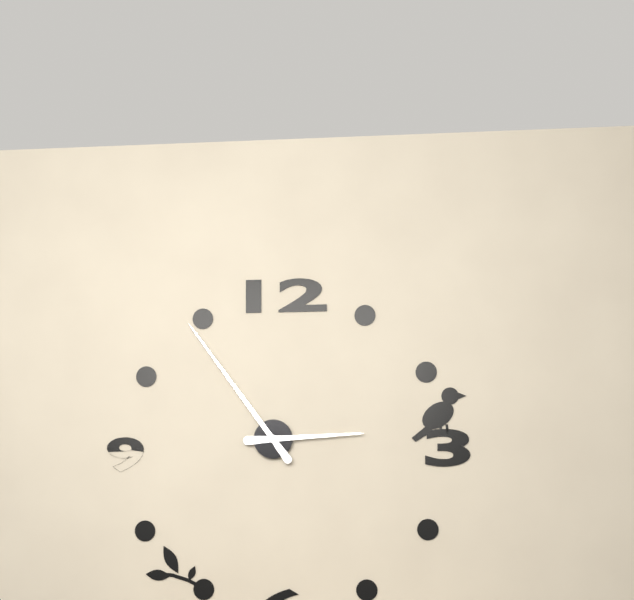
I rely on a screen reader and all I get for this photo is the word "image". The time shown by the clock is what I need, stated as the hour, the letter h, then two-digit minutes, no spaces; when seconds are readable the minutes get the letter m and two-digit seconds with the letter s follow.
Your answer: 2h54
